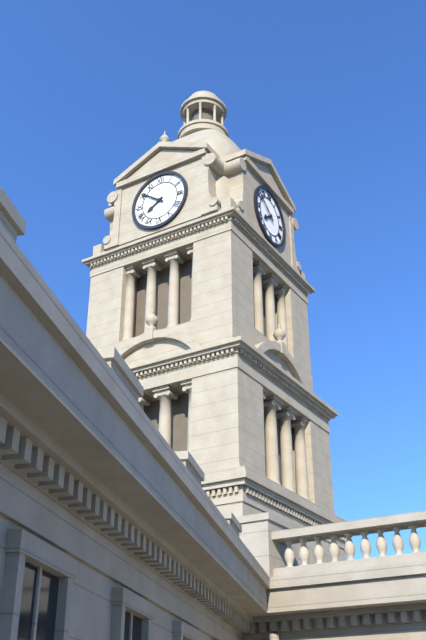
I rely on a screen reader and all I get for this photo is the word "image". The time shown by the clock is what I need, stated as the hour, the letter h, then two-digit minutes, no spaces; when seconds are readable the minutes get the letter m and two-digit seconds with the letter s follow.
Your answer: 7h51
